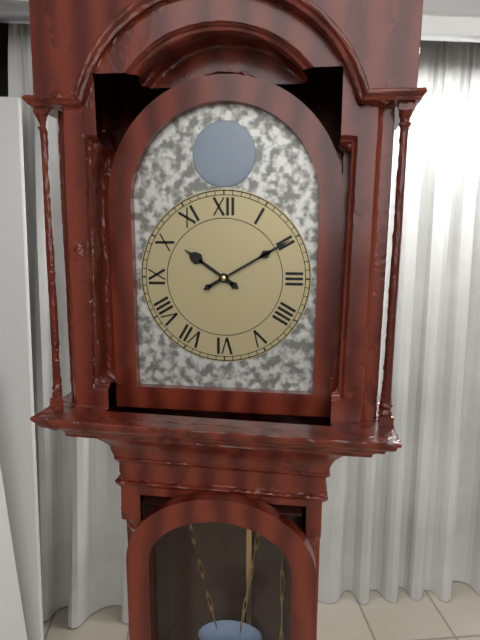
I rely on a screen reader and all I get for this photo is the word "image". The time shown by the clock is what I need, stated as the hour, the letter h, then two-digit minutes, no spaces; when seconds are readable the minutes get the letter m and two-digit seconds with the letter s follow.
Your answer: 10h10
